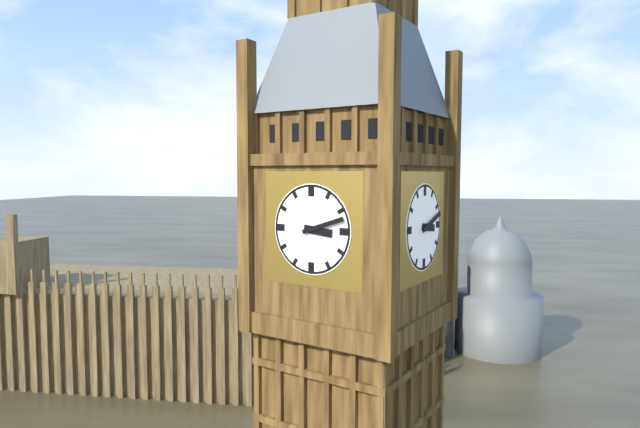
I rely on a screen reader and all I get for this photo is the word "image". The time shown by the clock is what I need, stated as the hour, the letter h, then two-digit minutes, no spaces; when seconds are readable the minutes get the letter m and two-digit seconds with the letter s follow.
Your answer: 3h12
